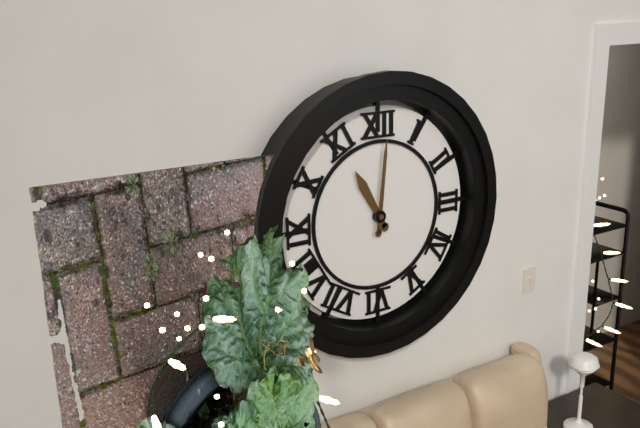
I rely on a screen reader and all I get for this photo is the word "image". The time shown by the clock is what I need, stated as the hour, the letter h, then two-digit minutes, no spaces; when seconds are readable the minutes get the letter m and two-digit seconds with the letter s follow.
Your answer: 11h01
